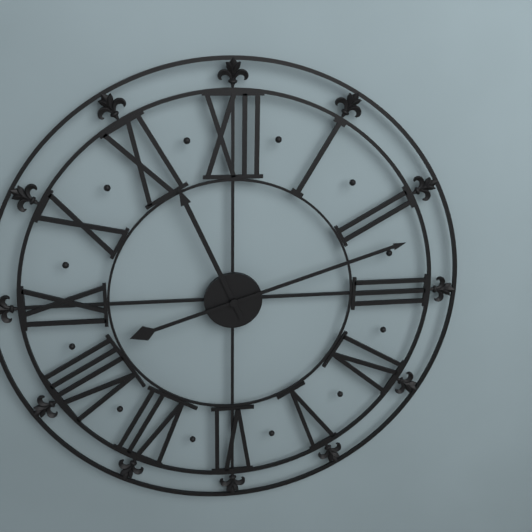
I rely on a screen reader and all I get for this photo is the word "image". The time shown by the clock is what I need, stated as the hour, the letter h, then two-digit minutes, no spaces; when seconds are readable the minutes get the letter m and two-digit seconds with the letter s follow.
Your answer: 11h12
